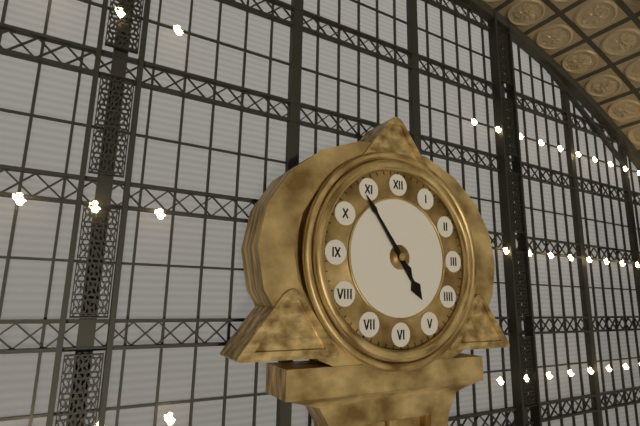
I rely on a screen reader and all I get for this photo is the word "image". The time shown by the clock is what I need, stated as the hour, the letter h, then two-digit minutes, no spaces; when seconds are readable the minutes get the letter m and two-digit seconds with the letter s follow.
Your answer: 4h54
